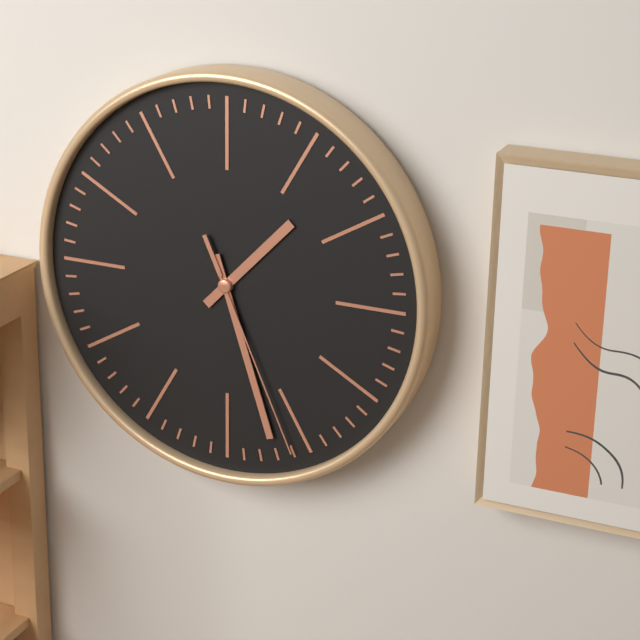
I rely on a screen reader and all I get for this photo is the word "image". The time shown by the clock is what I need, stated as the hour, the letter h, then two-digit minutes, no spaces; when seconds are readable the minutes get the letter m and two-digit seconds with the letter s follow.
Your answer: 1h27m26s
